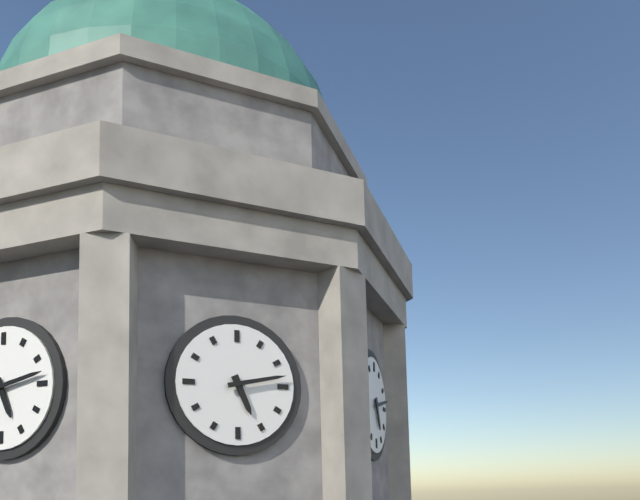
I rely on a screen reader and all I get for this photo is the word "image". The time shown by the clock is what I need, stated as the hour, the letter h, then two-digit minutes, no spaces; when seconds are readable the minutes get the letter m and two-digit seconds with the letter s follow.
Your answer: 5h13
